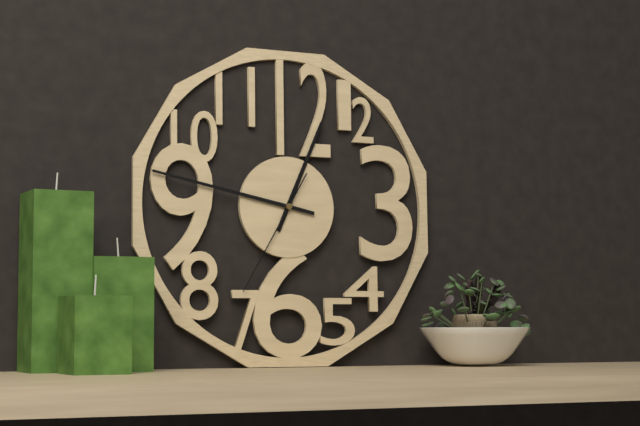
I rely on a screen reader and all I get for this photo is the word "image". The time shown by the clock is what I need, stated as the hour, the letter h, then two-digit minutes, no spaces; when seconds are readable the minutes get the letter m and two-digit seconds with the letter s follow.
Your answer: 12h47m35s
